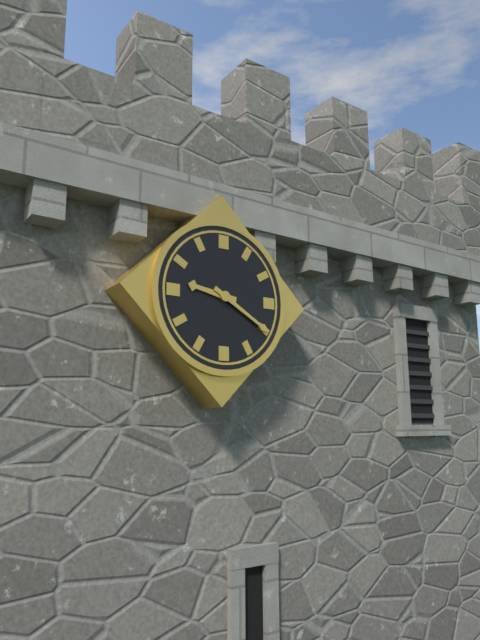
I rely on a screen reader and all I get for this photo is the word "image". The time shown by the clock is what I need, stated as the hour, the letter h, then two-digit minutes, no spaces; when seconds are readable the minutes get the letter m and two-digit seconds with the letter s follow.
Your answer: 9h20
